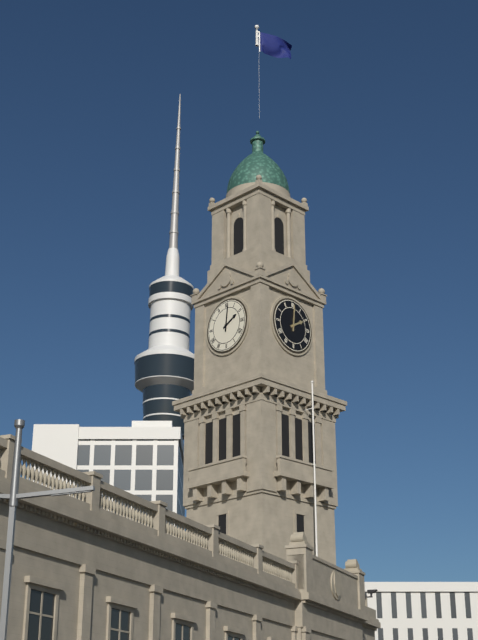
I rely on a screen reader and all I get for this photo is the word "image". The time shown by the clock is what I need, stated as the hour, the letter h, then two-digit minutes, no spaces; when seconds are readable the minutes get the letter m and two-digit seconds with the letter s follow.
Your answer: 2h01
